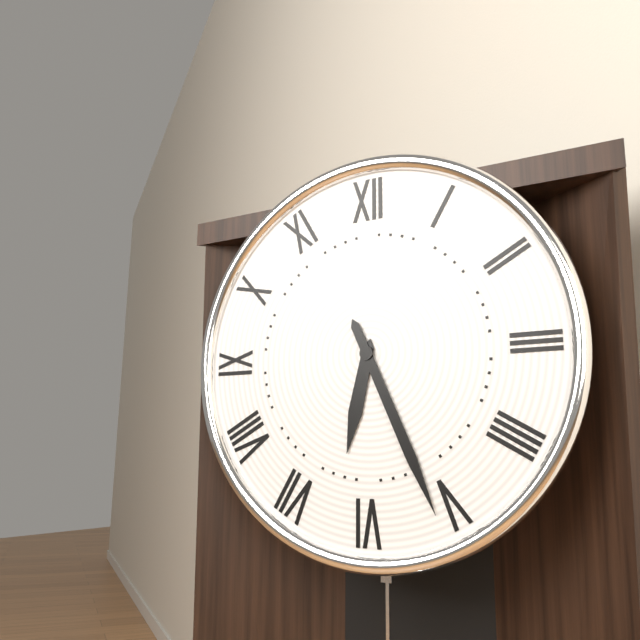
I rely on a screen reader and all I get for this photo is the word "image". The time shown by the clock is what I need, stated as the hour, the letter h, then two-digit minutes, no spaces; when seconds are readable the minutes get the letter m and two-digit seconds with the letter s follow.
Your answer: 6h26
